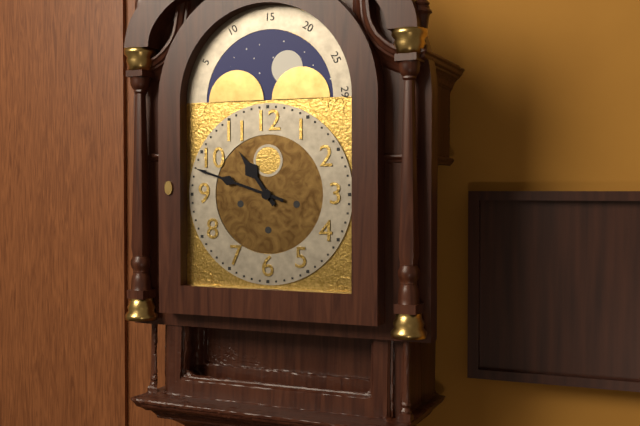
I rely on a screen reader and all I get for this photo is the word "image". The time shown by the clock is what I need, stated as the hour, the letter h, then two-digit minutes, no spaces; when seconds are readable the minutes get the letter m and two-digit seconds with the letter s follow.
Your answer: 10h48
